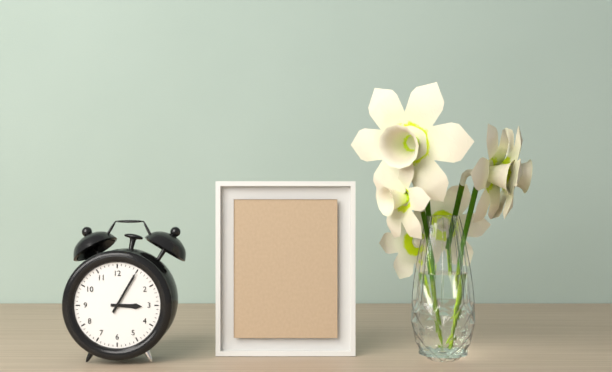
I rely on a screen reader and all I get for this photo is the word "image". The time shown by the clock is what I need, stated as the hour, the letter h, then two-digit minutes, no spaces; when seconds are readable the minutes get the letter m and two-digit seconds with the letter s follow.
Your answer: 3h05
